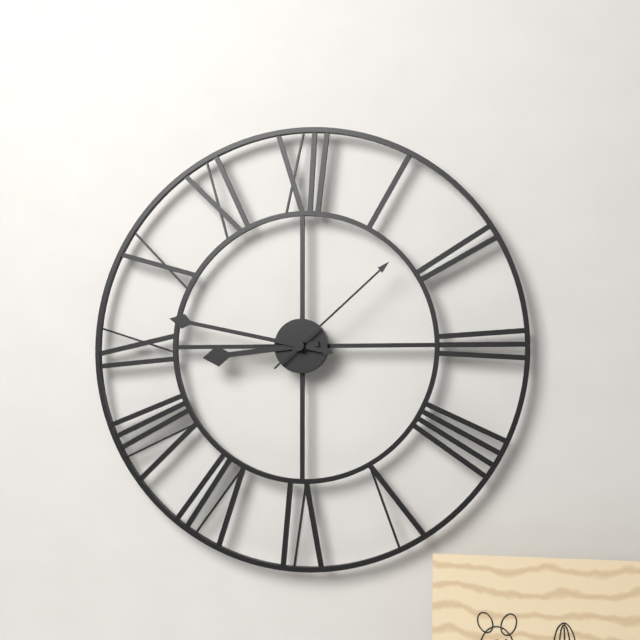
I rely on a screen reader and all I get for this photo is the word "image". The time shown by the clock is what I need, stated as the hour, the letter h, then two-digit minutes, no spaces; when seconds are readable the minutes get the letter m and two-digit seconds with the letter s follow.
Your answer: 8h47m08s
